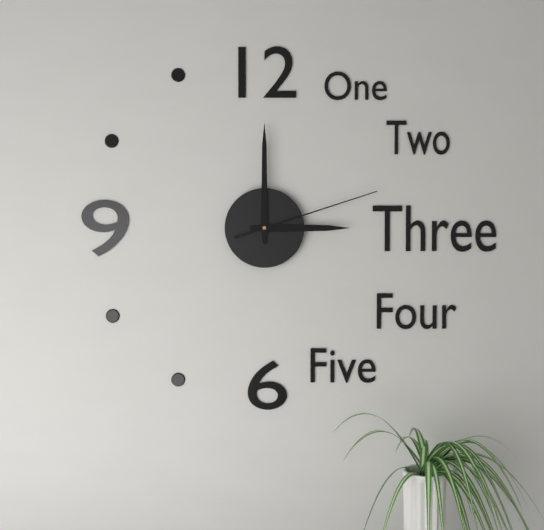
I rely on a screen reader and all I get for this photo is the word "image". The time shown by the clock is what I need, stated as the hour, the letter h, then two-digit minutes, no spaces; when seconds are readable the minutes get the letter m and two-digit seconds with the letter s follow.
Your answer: 3h00m12s
